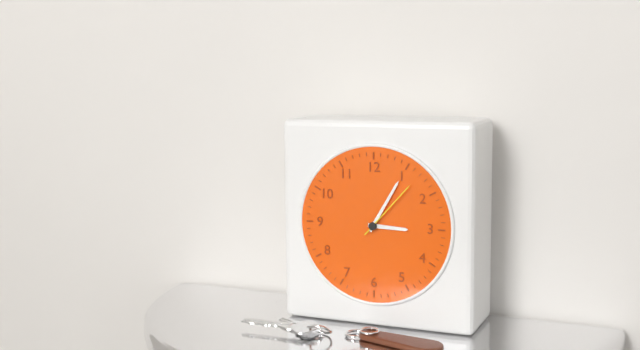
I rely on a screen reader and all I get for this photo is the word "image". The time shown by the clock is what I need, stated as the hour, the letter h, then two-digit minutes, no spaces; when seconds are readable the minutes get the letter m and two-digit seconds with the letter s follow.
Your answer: 3h05m07s
